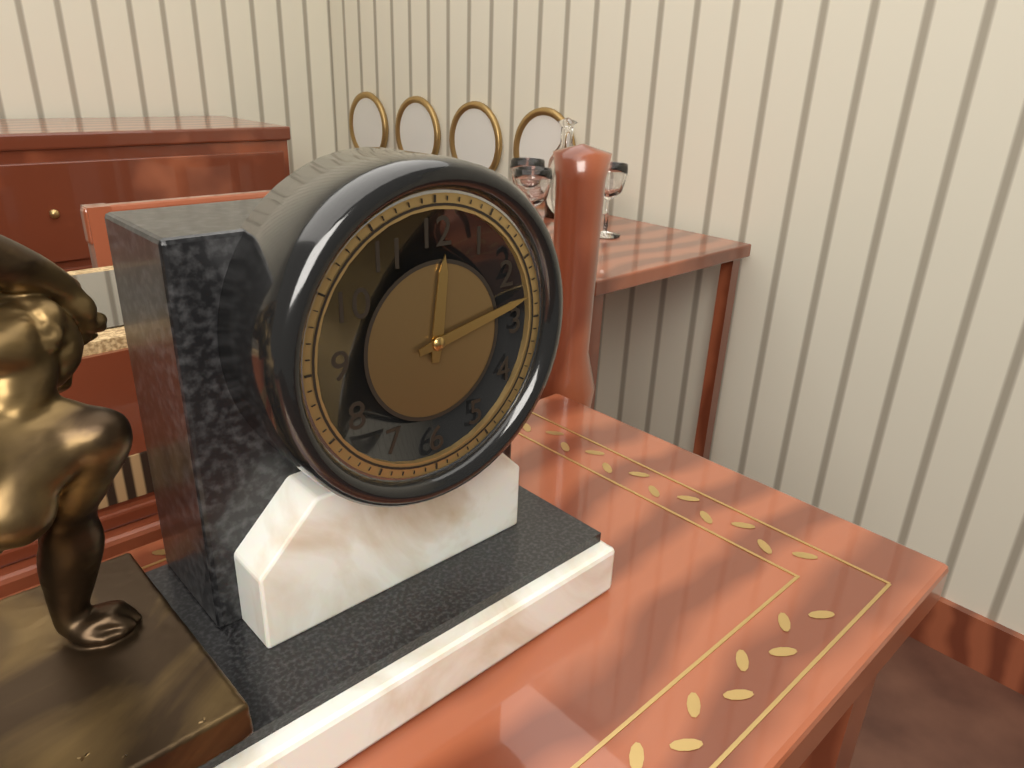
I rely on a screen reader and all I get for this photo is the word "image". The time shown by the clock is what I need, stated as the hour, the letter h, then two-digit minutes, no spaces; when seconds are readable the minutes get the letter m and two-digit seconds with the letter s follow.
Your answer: 12h13
